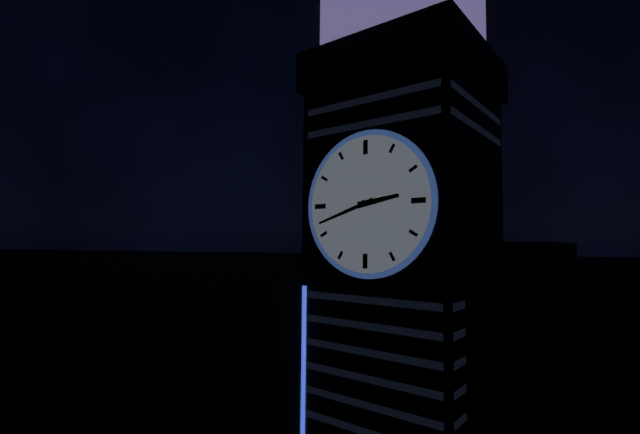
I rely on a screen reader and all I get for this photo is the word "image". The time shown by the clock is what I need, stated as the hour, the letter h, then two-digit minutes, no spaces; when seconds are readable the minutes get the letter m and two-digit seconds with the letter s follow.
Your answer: 2h42
